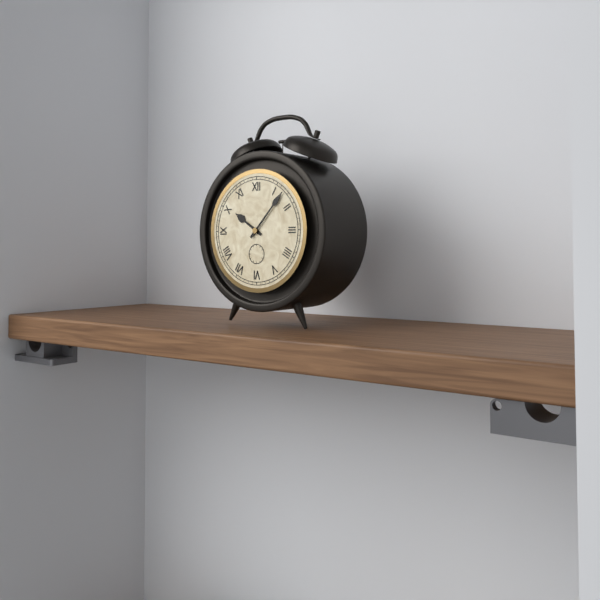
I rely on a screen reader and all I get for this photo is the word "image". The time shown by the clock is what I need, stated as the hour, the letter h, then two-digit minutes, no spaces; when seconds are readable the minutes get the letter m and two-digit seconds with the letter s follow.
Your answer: 10h07
